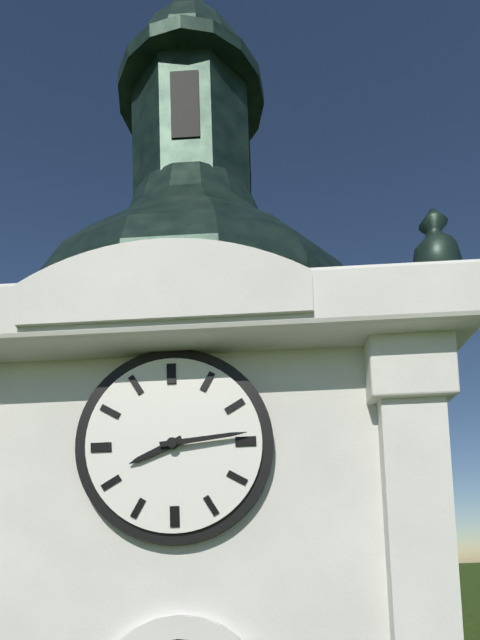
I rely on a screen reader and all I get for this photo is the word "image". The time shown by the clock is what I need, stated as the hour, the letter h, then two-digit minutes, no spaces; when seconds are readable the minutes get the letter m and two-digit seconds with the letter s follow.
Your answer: 8h14
